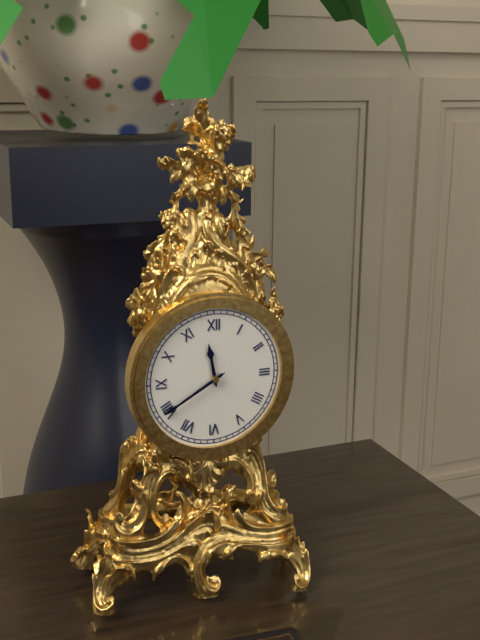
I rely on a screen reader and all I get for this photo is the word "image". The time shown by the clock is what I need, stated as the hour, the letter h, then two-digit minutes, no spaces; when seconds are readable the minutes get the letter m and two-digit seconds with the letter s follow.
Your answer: 11h40
